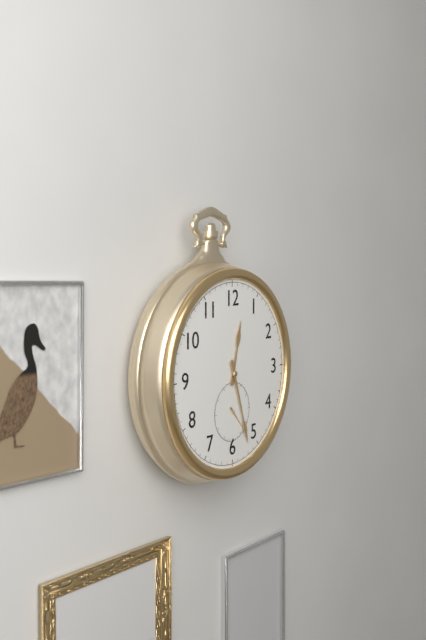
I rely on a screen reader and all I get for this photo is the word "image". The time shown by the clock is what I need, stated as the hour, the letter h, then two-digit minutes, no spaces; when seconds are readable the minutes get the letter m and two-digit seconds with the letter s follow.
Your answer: 12h27
